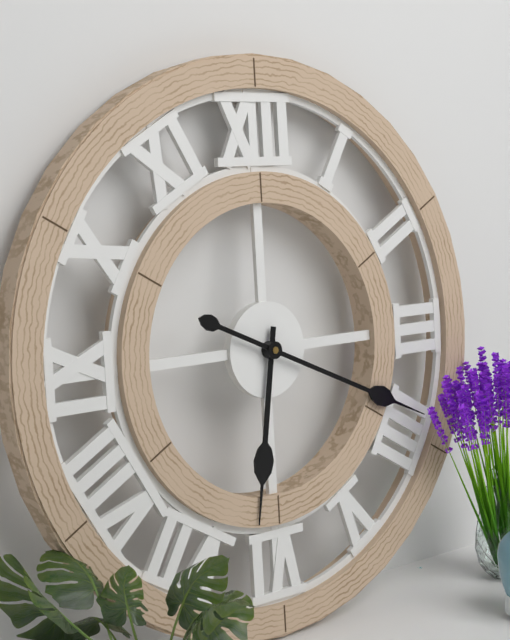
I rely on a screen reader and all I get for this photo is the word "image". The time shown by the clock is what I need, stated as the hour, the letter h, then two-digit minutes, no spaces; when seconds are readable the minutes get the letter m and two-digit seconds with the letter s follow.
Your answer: 6h19
